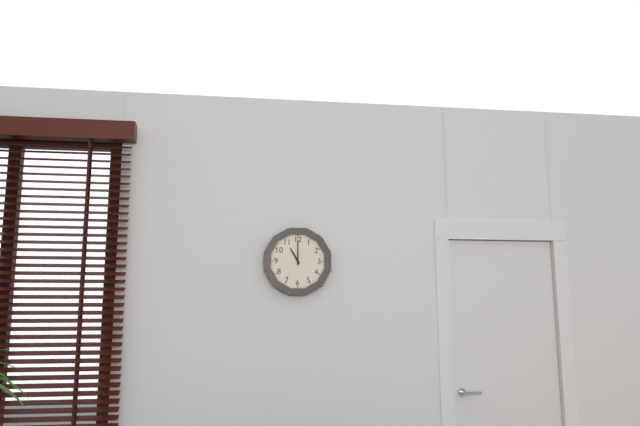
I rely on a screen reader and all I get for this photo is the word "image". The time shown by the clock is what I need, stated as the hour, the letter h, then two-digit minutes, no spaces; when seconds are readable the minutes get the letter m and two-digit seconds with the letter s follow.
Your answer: 11h00
